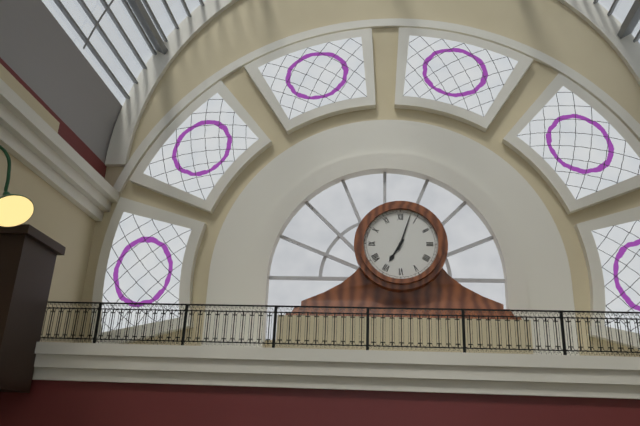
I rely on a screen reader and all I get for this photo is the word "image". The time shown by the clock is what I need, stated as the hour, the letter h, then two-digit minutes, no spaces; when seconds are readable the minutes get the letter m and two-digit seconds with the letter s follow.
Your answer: 7h03
